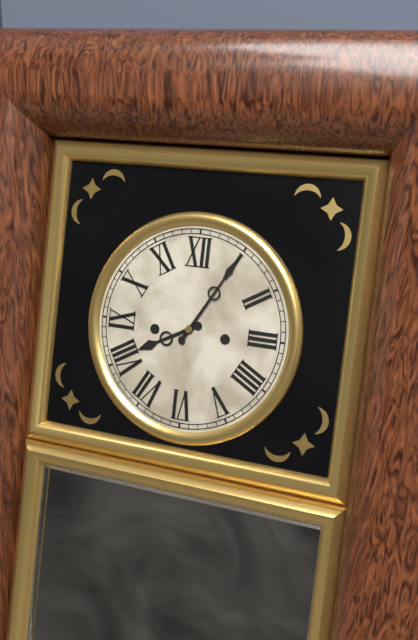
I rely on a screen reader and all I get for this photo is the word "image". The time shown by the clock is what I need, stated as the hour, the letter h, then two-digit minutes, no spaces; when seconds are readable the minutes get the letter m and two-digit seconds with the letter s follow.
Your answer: 8h05
